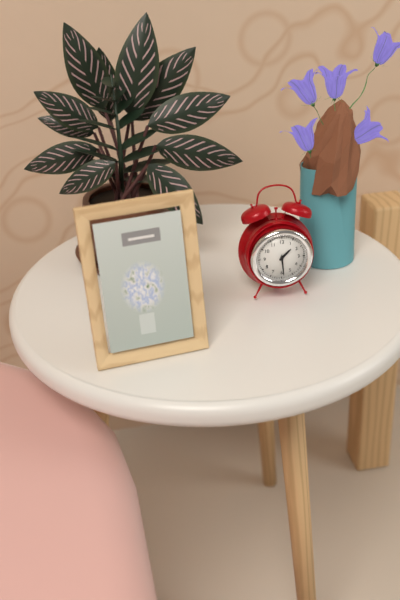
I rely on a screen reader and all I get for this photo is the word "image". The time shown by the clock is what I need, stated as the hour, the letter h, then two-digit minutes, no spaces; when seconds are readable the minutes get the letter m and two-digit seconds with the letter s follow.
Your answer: 1h29
